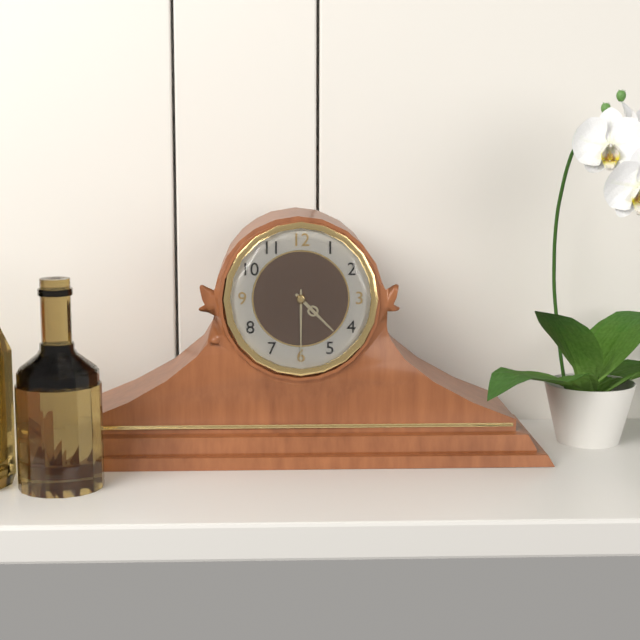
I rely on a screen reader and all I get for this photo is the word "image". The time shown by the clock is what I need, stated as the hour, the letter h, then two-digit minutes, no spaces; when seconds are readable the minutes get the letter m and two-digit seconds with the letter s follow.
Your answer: 4h30
